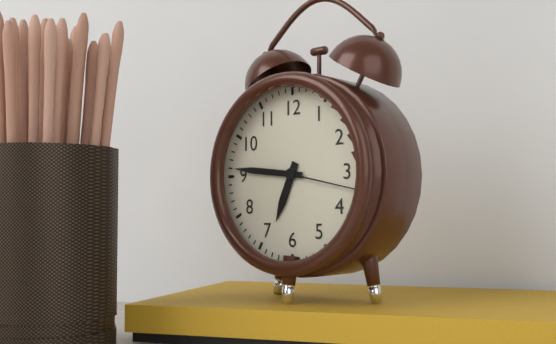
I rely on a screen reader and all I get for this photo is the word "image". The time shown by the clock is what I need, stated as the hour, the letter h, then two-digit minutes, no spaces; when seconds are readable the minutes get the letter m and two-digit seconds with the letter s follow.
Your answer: 6h46m17s
